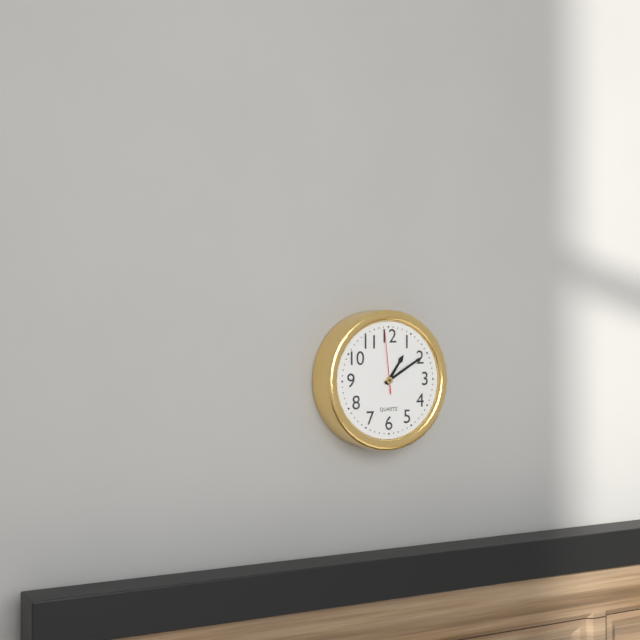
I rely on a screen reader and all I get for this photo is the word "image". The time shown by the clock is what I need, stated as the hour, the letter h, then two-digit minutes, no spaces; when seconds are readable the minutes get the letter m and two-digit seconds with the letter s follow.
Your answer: 1h10m59s
